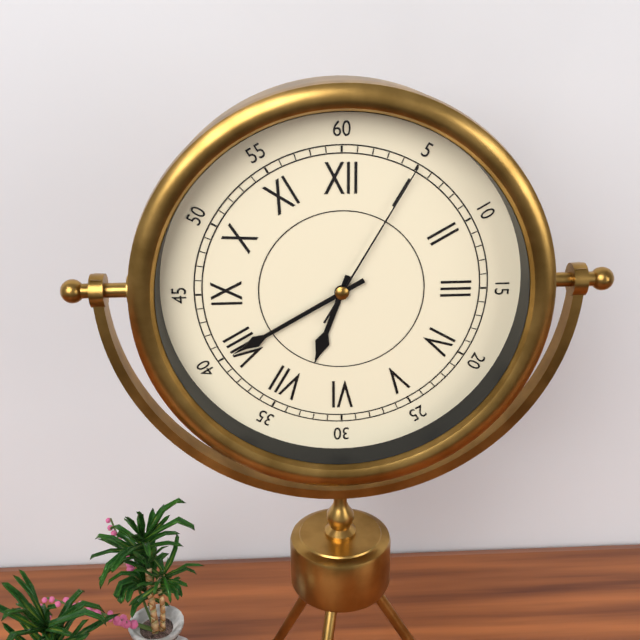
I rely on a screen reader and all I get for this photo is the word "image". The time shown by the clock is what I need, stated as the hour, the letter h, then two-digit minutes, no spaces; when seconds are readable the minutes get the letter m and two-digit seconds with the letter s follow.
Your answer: 6h40m05s
